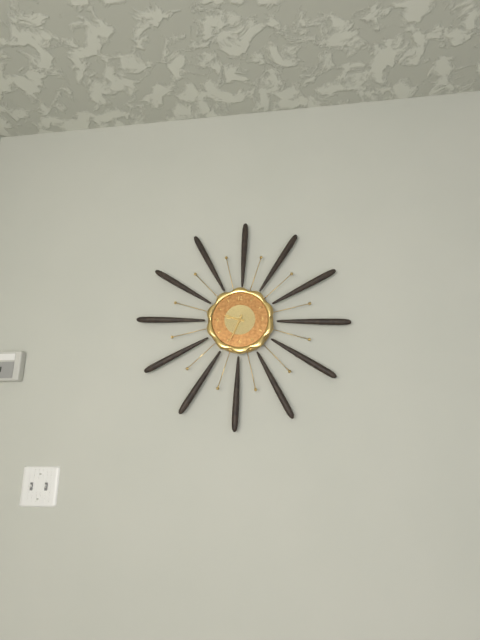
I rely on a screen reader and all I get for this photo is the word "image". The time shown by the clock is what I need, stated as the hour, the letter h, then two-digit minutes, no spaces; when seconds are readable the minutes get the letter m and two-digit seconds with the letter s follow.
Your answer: 9h34
